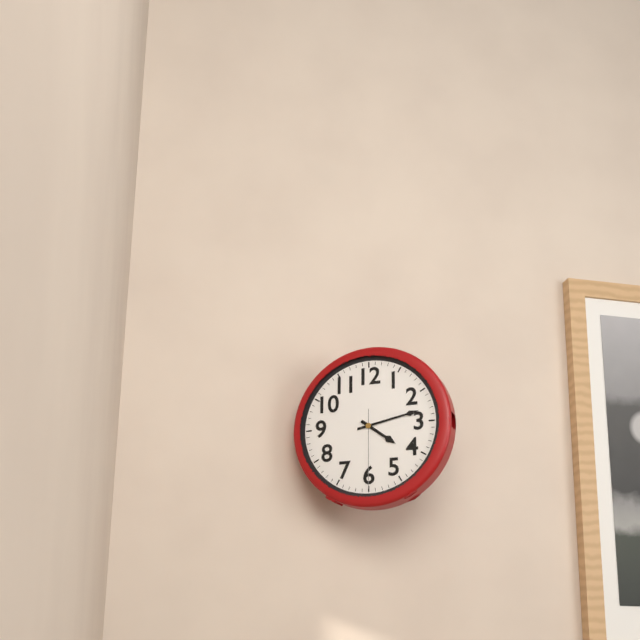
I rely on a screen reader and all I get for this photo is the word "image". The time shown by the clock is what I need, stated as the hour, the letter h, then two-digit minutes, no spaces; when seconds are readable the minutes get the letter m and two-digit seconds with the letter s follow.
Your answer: 4h13m30s
